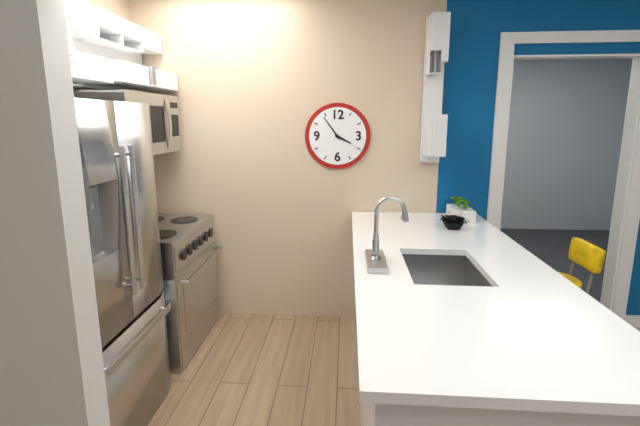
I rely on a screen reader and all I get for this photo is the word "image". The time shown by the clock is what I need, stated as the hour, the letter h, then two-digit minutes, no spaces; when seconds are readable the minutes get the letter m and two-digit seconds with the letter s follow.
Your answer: 3h54
